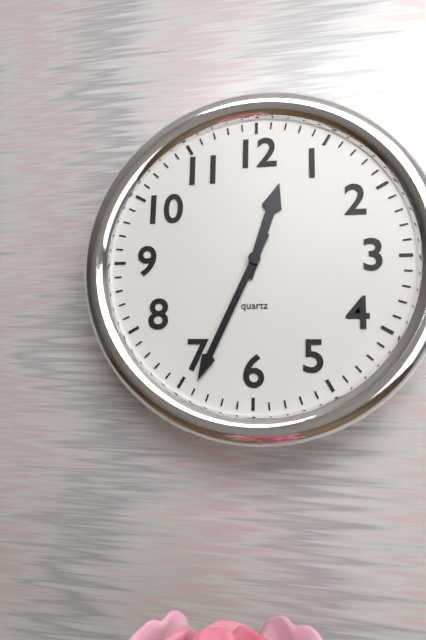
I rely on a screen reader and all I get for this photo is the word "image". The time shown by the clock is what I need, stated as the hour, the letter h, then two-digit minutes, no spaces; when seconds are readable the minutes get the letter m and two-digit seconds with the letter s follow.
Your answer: 12h34
